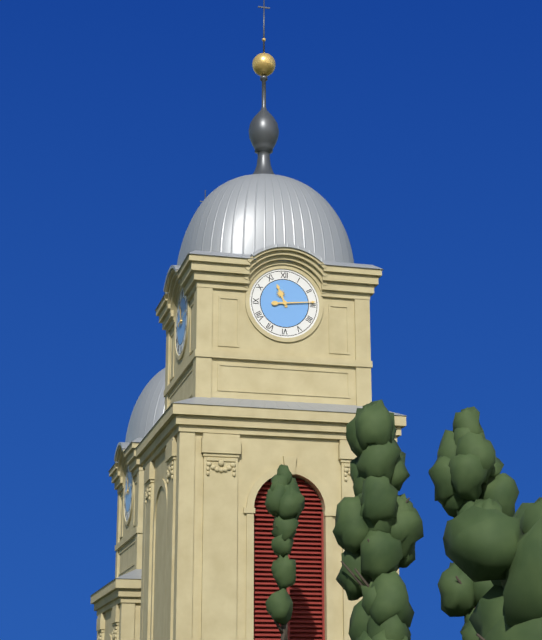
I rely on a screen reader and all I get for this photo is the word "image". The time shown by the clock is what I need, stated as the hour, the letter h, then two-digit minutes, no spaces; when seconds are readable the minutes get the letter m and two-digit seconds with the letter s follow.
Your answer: 11h14
